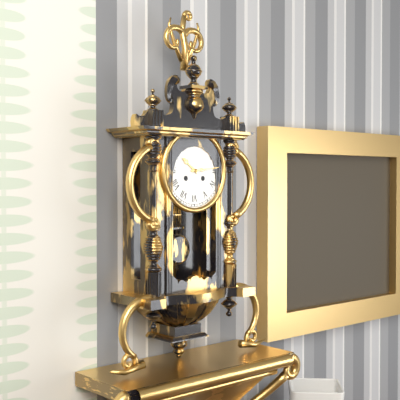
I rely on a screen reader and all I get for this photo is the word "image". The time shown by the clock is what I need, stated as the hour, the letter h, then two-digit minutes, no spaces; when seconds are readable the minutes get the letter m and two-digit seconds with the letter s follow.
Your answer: 10h14
